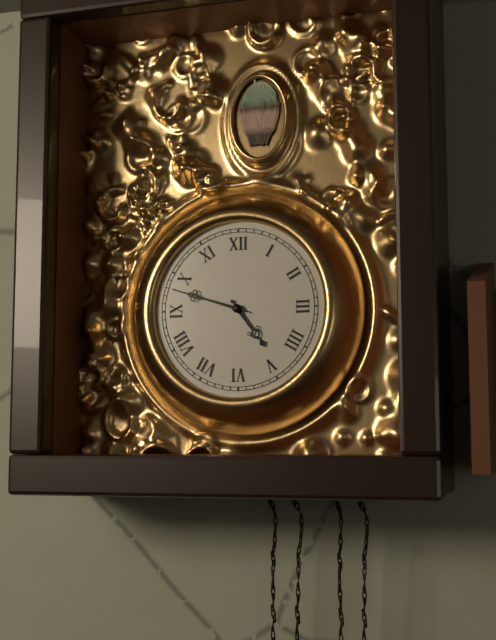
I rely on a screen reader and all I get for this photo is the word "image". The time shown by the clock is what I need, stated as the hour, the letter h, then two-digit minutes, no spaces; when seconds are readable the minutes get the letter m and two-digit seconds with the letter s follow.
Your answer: 4h48
